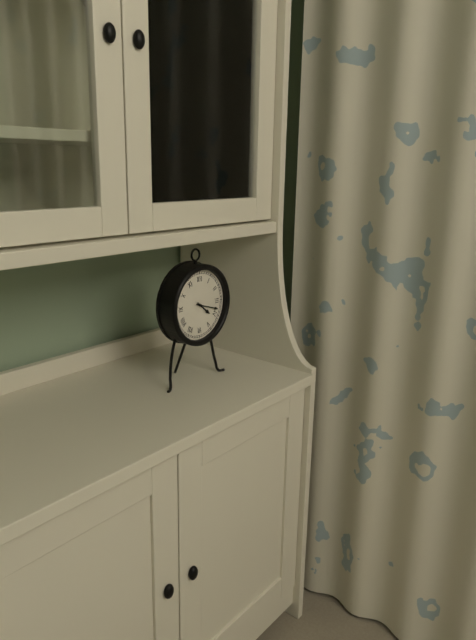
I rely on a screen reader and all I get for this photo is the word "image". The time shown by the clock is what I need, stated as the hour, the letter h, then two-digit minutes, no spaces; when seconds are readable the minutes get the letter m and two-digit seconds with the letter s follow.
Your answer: 4h18
